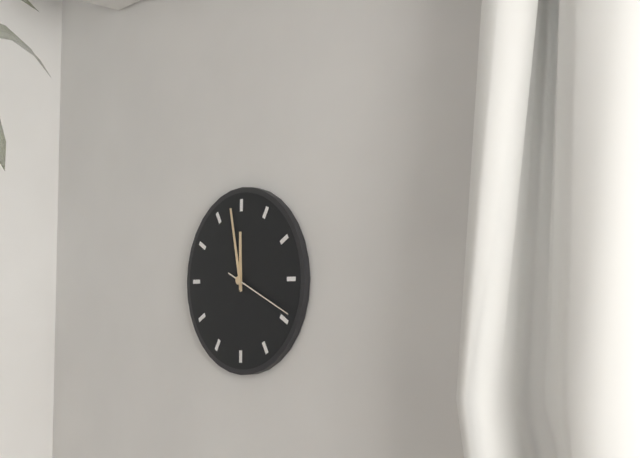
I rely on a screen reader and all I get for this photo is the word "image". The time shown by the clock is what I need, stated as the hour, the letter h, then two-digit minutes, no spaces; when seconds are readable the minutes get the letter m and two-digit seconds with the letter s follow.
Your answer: 11h58m19s
